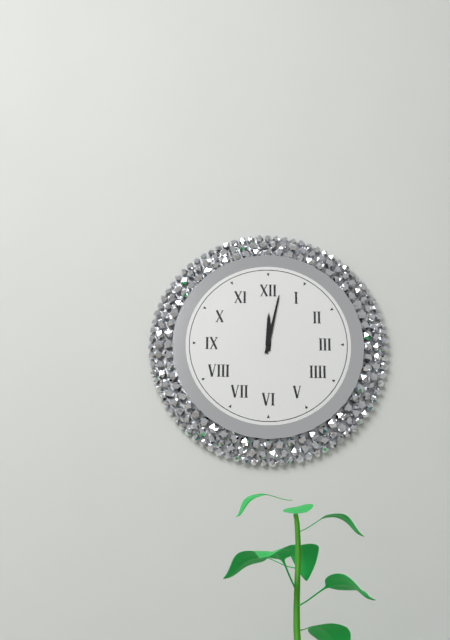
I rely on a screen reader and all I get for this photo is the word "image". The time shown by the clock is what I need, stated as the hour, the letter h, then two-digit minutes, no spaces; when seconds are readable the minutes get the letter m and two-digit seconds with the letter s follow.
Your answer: 12h02
